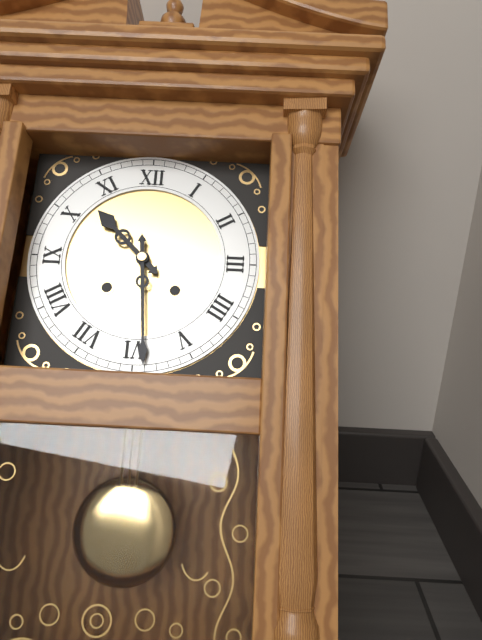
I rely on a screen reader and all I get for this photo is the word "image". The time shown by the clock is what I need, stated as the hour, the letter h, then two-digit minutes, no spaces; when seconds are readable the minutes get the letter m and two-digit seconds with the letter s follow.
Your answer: 10h29
